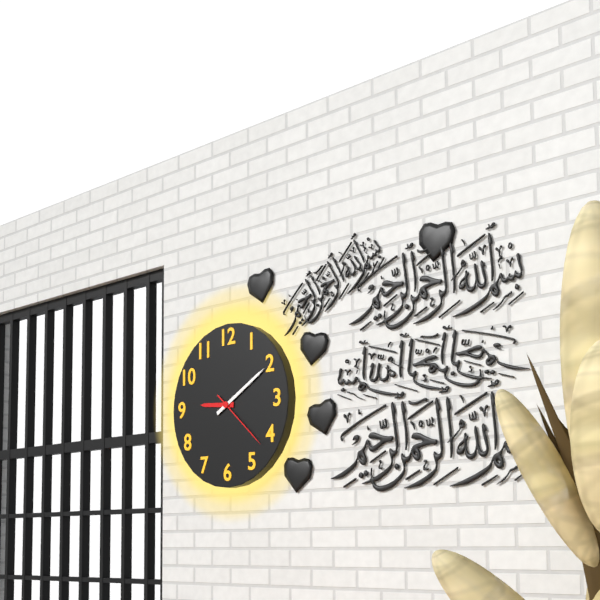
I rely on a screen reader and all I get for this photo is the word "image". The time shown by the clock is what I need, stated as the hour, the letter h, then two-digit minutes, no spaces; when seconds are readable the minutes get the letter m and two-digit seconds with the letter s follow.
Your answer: 9h10m22s
